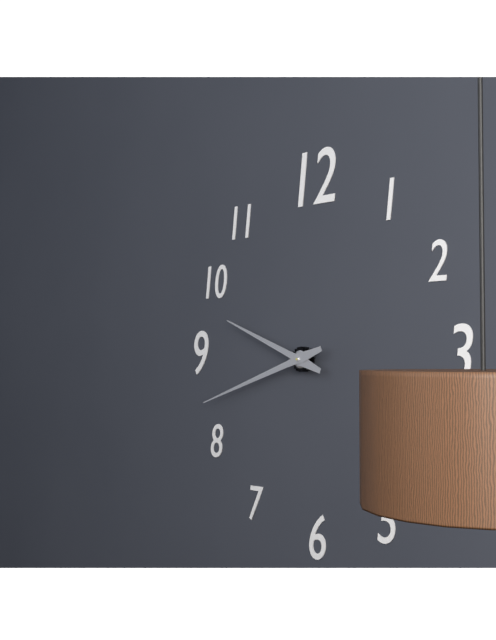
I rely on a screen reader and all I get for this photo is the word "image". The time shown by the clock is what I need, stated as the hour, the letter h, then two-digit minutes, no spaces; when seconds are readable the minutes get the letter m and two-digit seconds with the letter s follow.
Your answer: 9h42
